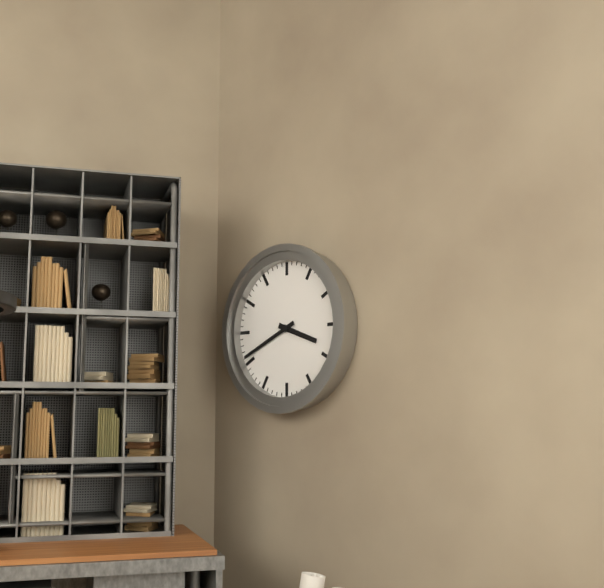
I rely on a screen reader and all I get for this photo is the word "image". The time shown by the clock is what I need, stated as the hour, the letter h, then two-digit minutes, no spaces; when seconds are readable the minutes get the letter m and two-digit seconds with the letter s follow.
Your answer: 3h41
